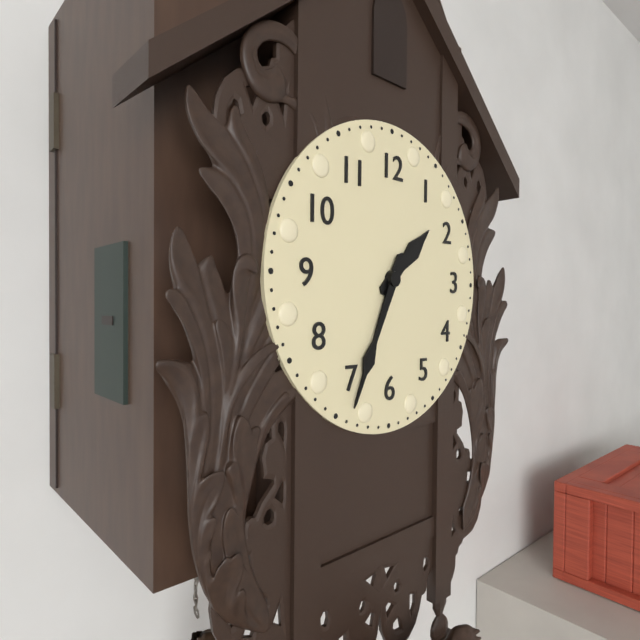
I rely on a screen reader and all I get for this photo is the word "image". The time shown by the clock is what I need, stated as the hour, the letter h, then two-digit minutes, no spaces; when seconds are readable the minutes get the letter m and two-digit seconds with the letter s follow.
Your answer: 1h34
